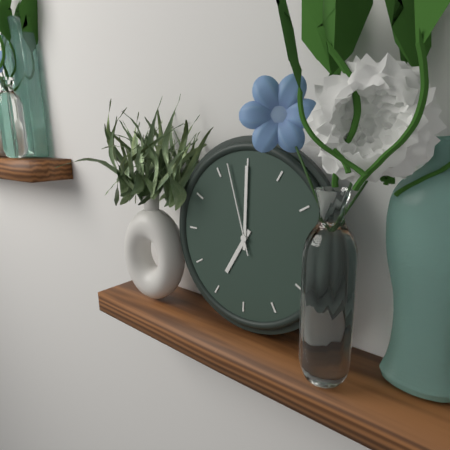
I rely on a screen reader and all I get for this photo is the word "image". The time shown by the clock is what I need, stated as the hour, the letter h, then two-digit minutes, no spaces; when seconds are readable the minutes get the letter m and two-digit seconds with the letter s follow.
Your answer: 7h00m57s
